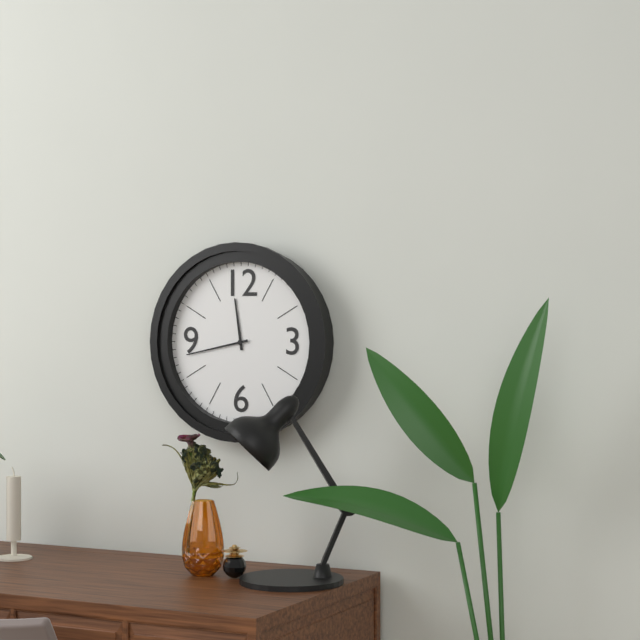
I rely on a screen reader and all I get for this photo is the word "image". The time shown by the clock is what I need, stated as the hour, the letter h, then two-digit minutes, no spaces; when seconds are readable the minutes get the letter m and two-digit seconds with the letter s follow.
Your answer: 11h43
